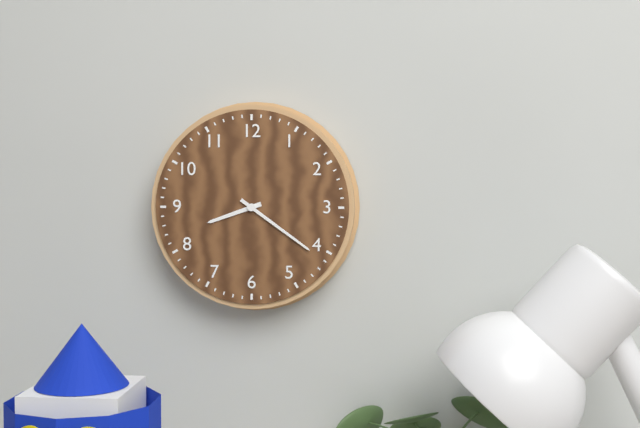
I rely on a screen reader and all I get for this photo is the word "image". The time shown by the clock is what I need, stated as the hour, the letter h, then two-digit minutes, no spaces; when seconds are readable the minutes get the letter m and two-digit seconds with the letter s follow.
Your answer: 8h21
